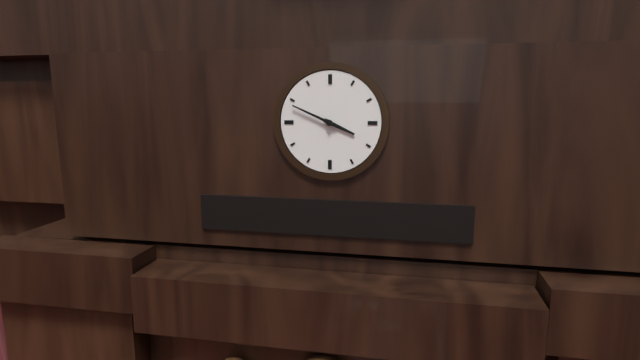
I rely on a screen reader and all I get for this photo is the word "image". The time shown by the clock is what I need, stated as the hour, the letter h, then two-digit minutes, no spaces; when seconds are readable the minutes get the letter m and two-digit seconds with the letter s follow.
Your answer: 3h49
